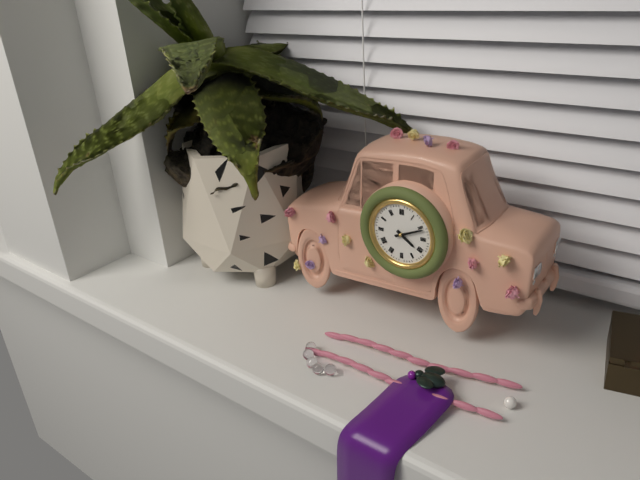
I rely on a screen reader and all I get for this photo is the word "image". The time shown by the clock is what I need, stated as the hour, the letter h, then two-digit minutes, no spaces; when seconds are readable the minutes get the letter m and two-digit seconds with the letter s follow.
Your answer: 4h11
